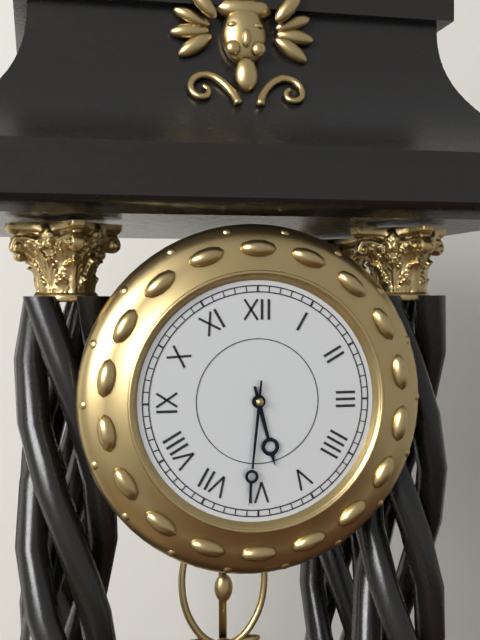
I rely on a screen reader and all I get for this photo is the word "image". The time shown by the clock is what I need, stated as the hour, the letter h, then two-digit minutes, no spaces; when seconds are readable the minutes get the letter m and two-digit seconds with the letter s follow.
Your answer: 5h31
